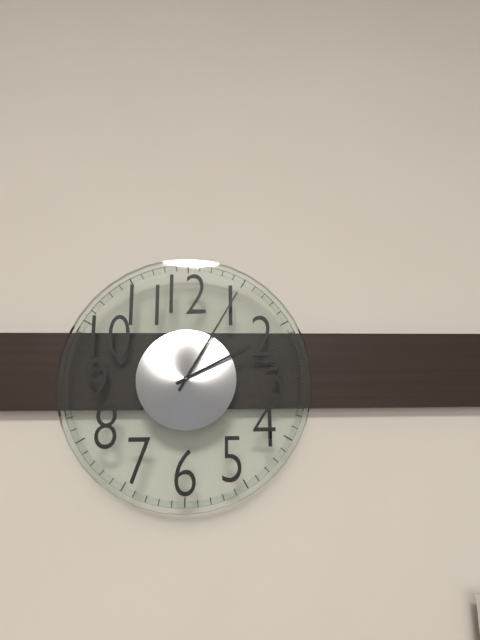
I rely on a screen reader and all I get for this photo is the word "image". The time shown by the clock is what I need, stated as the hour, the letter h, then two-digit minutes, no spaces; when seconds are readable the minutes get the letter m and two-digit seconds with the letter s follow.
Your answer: 2h05
